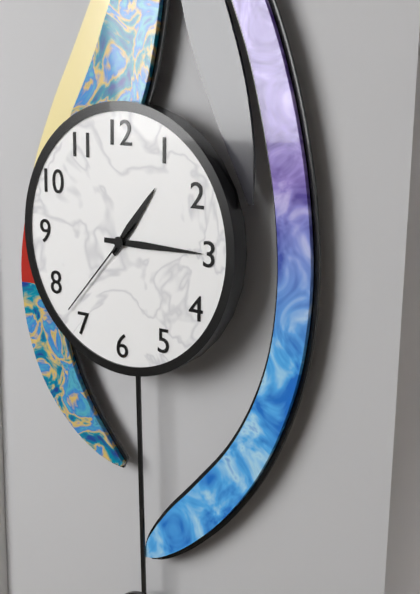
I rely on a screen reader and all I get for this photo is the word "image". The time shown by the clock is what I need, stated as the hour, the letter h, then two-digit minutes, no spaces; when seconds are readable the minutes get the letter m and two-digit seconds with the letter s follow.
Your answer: 1h15m37s
